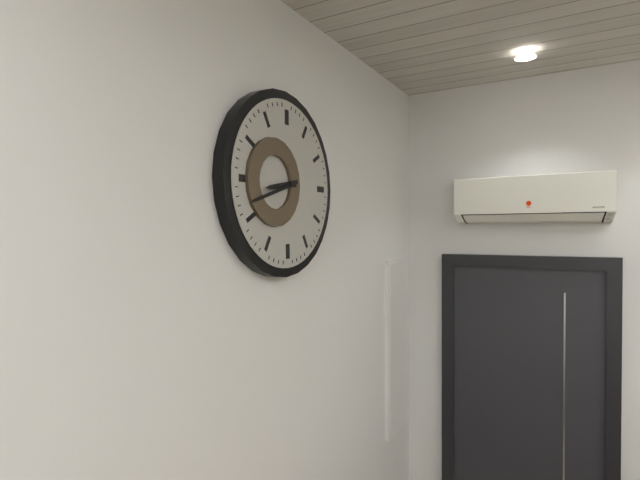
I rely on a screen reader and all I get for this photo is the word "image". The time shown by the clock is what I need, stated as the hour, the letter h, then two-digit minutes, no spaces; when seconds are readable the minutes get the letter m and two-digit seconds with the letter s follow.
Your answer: 8h42
